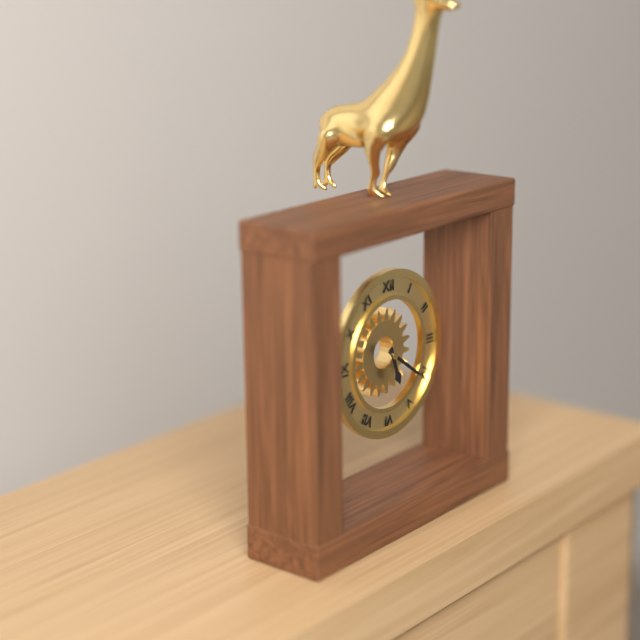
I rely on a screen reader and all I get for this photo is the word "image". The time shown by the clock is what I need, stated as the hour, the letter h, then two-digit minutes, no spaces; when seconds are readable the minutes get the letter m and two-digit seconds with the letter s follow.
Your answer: 5h21
